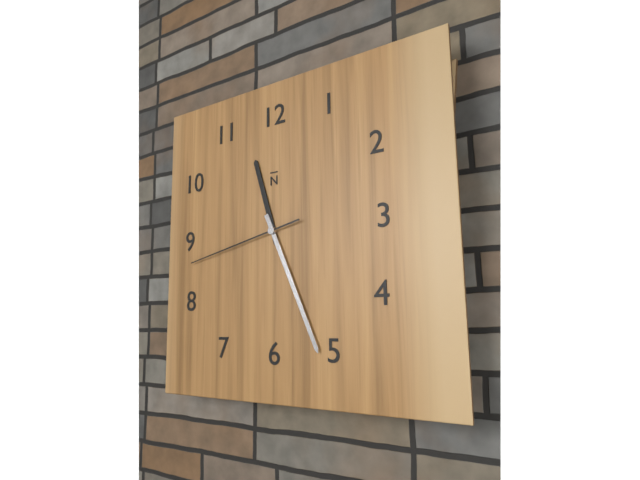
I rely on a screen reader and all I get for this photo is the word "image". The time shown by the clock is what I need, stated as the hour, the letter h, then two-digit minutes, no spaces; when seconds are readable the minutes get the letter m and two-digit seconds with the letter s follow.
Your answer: 11h26m43s
